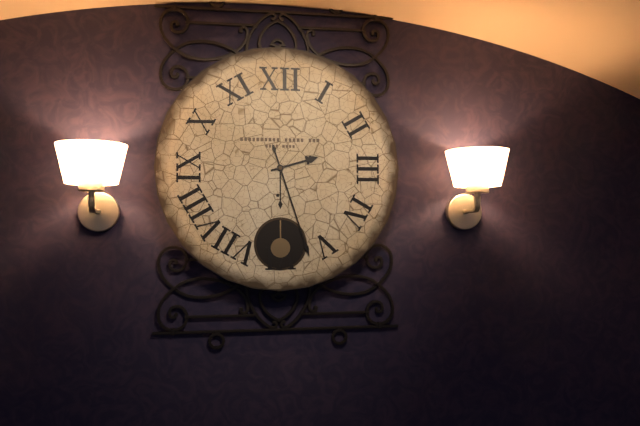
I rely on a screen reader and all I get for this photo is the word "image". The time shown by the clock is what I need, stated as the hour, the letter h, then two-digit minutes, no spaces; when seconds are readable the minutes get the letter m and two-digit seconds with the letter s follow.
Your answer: 2h27
